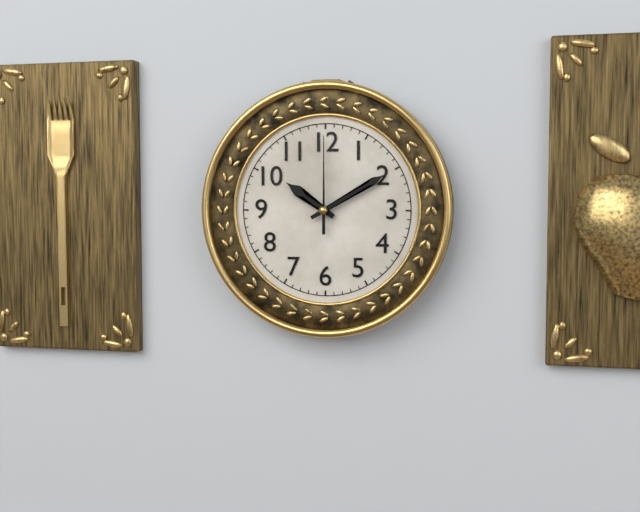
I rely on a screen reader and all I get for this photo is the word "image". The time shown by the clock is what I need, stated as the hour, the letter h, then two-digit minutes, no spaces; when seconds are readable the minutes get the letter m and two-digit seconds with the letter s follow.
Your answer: 10h10m00s
